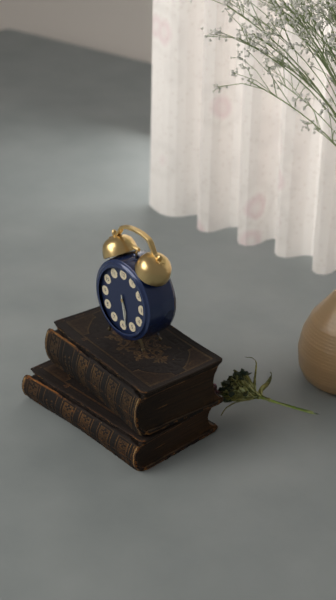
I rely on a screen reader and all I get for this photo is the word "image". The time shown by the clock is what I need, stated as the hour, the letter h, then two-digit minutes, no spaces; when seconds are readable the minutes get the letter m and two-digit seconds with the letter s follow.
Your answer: 5h28
